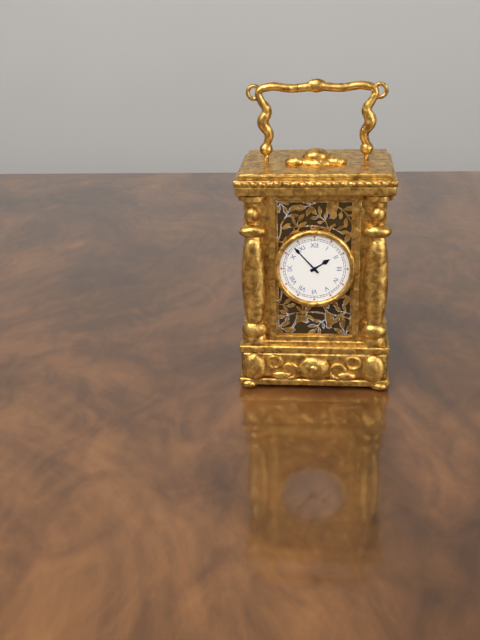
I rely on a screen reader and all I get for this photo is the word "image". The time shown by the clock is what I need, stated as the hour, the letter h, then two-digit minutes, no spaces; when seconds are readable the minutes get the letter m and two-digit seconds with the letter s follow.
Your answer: 1h53
